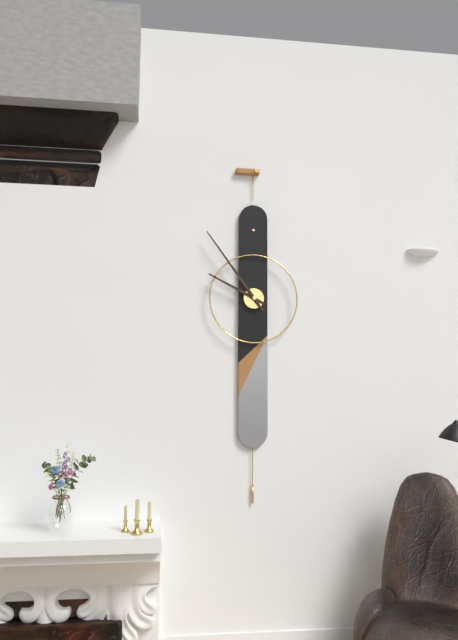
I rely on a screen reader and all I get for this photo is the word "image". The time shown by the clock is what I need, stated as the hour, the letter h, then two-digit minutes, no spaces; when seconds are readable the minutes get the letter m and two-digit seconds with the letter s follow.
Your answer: 9h54
